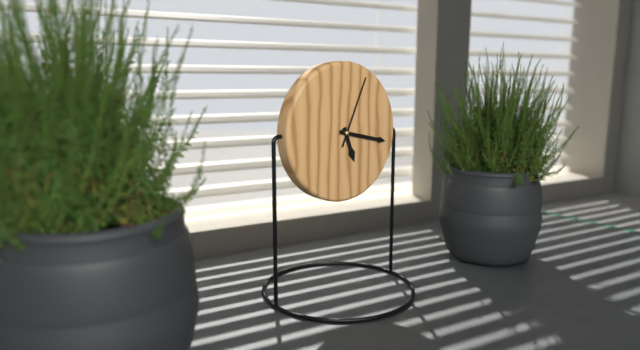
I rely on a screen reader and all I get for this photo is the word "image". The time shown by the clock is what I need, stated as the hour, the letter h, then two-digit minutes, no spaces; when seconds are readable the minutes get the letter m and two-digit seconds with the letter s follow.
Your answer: 5h17m04s
